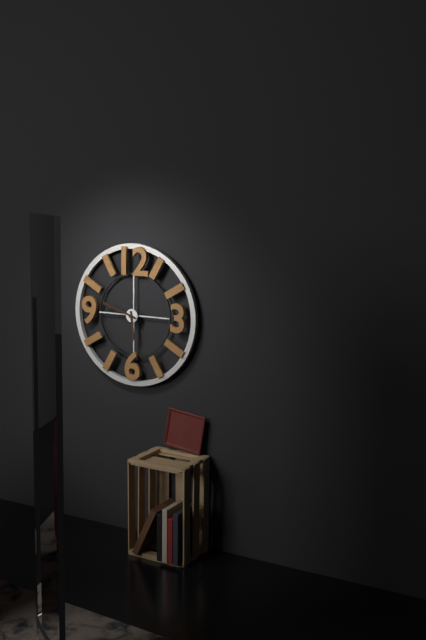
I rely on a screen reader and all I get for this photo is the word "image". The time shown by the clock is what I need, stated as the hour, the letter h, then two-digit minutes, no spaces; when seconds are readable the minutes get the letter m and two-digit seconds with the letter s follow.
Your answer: 5h48
